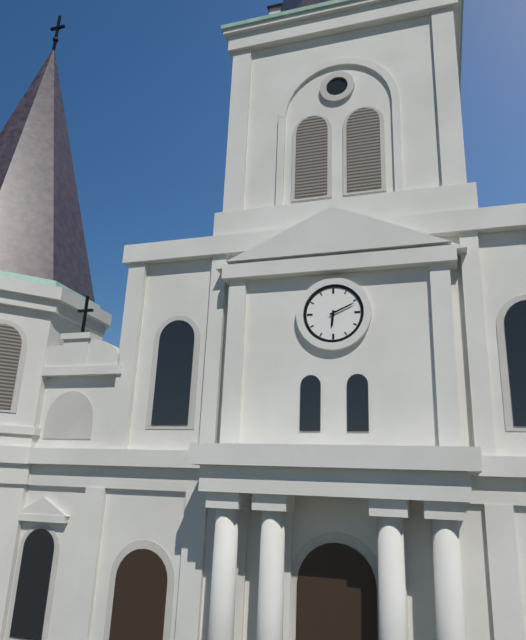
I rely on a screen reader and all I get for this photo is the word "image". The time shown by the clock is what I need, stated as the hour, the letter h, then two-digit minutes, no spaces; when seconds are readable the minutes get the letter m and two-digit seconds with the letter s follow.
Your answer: 6h11
